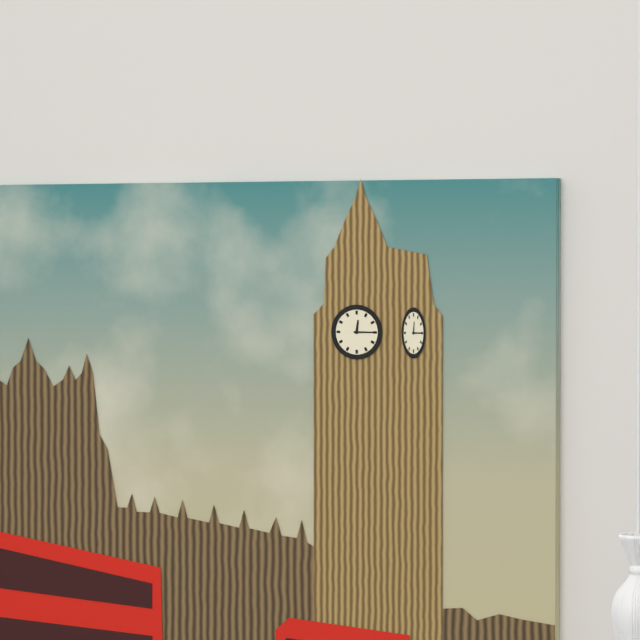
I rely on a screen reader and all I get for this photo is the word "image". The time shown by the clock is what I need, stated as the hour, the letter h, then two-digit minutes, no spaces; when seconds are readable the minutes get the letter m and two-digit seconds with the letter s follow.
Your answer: 12h15
